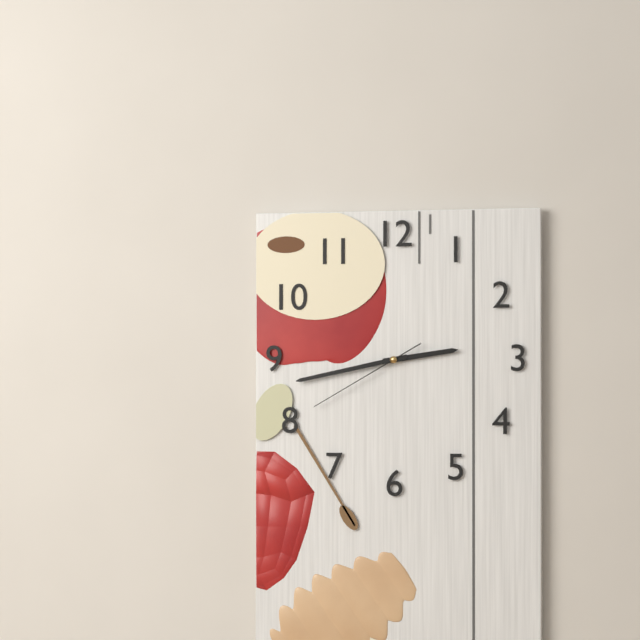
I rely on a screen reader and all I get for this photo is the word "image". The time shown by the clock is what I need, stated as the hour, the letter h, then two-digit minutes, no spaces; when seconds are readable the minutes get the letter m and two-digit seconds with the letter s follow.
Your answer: 2h43m40s
